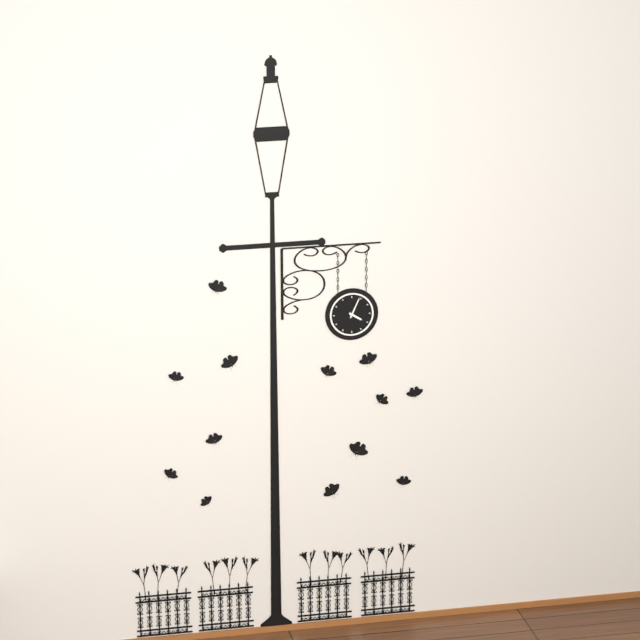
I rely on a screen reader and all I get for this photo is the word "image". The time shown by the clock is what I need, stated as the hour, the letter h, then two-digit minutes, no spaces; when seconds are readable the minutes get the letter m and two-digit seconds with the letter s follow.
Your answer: 4h04
